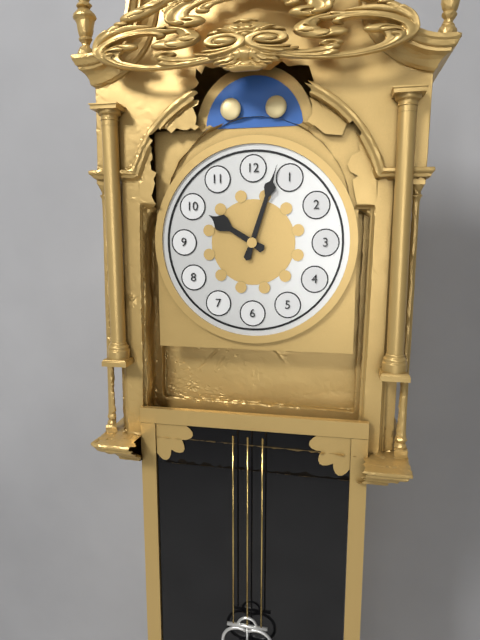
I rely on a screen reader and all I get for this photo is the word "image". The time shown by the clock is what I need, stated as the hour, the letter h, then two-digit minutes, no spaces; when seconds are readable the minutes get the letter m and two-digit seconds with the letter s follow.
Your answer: 10h03
